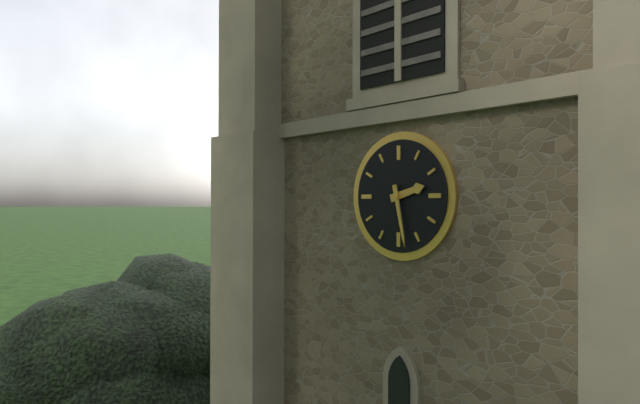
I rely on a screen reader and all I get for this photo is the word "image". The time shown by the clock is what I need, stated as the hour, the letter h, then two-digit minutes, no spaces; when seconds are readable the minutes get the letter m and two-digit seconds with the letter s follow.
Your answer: 2h28
